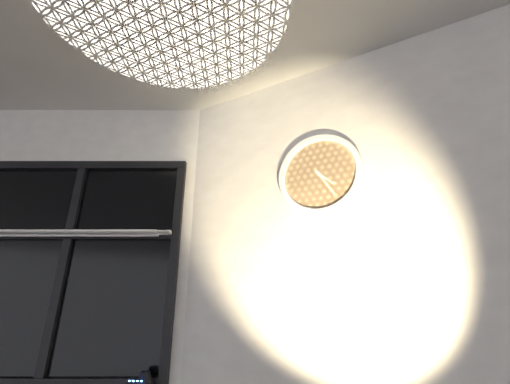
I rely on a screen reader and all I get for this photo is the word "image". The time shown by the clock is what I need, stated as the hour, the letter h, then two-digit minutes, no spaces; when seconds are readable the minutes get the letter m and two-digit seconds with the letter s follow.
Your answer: 4h25
